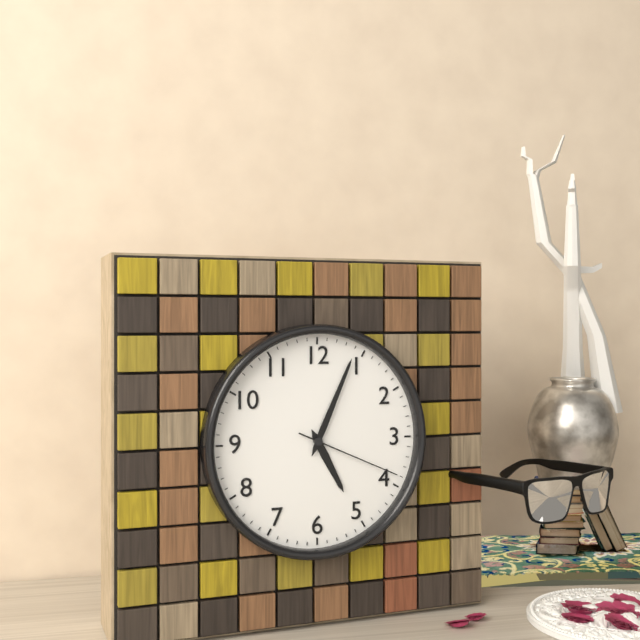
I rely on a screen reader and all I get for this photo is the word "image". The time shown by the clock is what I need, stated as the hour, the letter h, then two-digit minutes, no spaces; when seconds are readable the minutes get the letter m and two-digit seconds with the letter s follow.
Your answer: 5h04m19s
